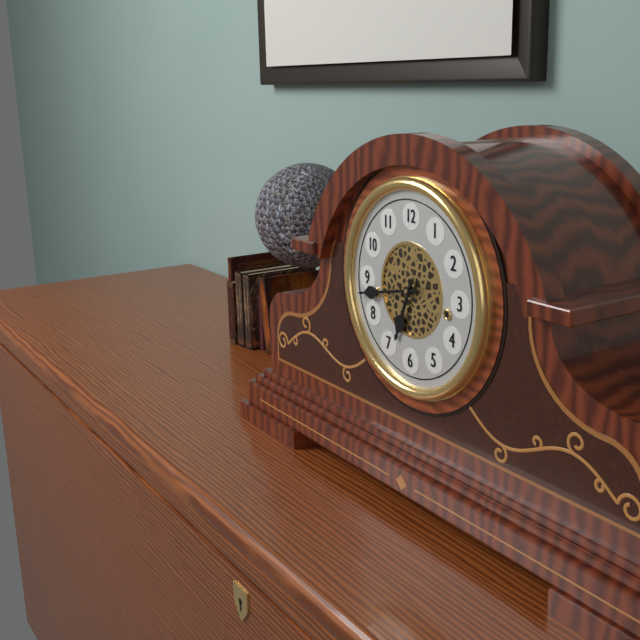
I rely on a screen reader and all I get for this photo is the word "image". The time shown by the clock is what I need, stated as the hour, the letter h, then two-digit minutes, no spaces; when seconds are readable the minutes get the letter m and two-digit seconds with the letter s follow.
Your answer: 6h43
